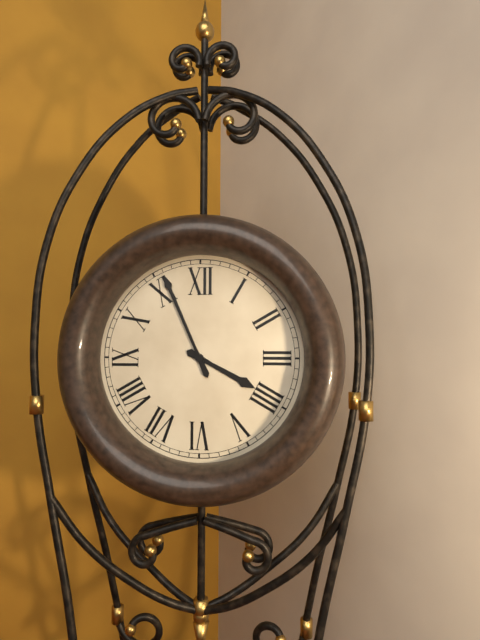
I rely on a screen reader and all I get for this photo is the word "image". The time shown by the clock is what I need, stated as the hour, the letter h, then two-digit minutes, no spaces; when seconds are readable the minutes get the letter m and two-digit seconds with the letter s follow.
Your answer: 3h56
